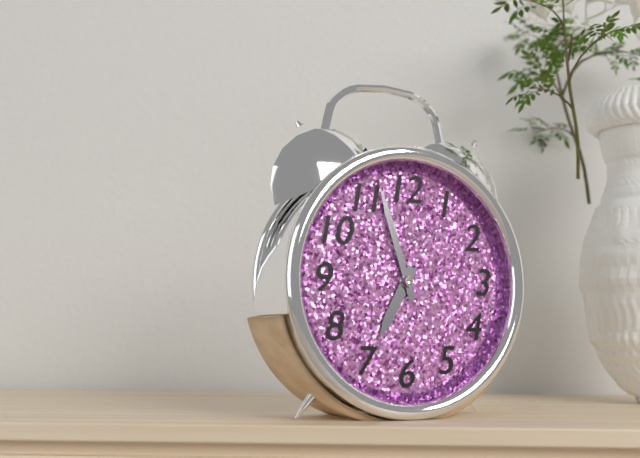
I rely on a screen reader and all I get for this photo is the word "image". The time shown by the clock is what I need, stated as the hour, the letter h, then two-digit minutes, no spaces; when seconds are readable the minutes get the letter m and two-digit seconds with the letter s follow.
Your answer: 6h57
